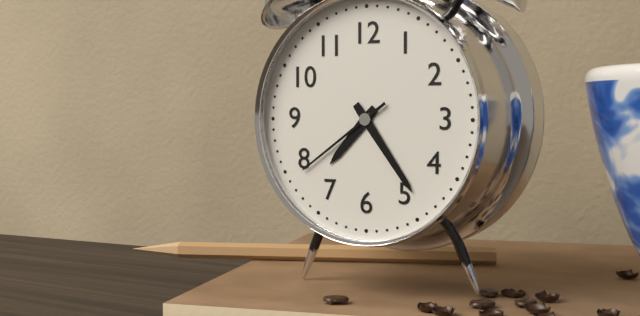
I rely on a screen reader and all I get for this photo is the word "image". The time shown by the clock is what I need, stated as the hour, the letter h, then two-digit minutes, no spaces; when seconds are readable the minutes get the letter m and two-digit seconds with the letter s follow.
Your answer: 7h24m39s
